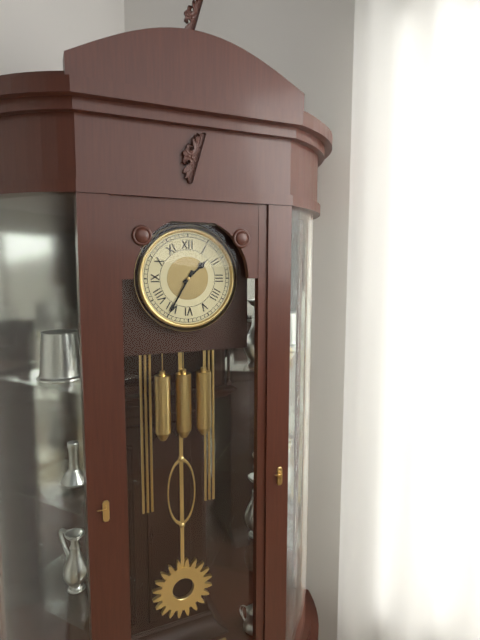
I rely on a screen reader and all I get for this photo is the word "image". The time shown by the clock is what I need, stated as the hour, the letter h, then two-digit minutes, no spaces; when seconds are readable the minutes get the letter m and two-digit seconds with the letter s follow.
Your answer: 1h35
